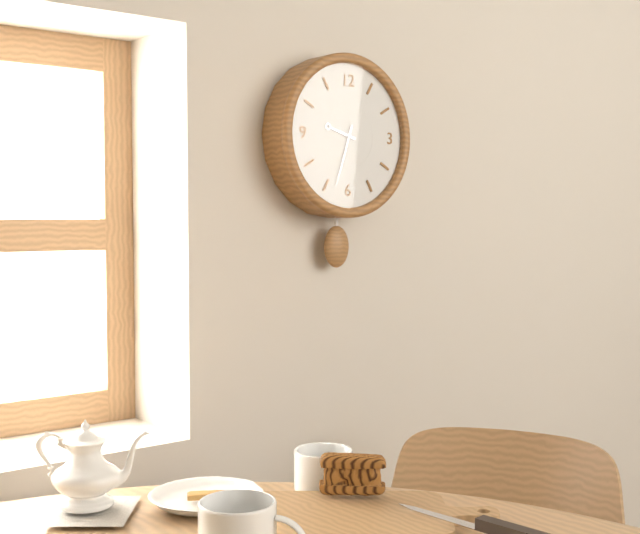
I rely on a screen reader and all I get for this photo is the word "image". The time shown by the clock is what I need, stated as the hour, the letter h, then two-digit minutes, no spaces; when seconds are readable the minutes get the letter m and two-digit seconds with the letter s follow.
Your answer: 9h33
